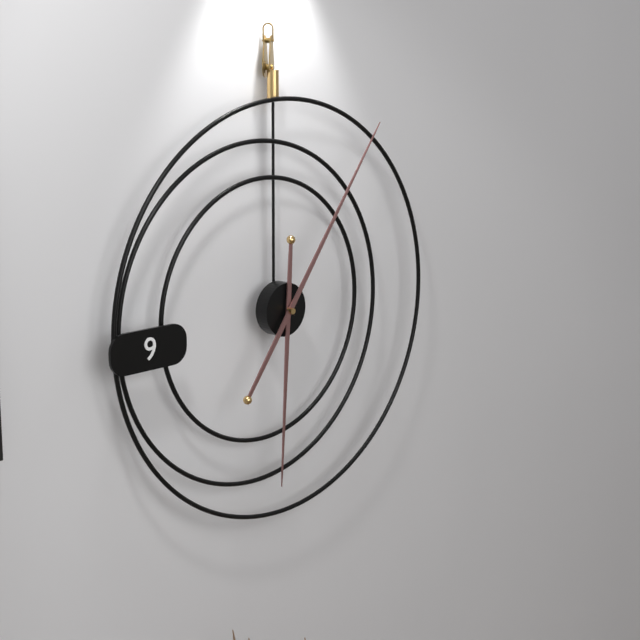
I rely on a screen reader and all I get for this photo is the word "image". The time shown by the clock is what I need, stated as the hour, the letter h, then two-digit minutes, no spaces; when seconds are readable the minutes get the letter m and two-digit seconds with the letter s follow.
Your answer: 6h06
